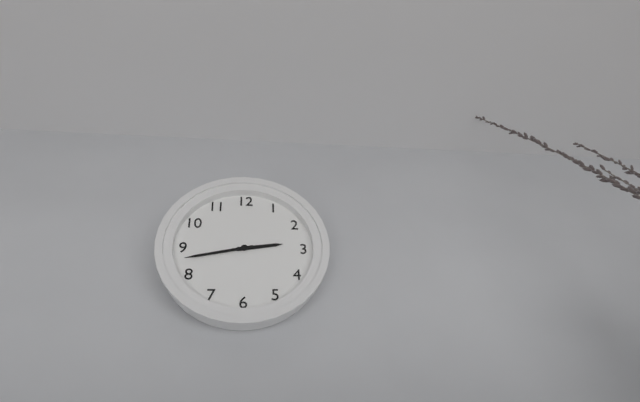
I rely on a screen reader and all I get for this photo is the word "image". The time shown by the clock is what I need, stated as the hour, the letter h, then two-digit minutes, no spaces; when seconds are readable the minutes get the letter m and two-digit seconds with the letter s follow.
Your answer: 2h43
